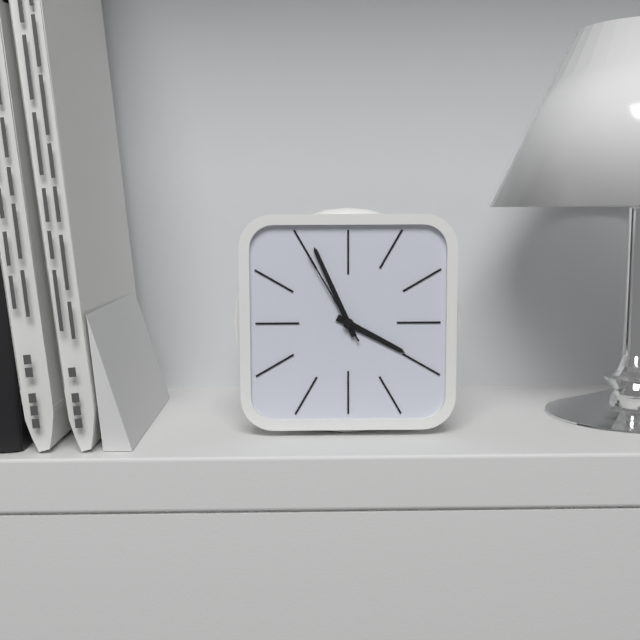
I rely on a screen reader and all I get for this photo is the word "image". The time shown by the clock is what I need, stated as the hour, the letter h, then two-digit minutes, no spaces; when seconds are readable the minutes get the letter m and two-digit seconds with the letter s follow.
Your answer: 3h56m55s
